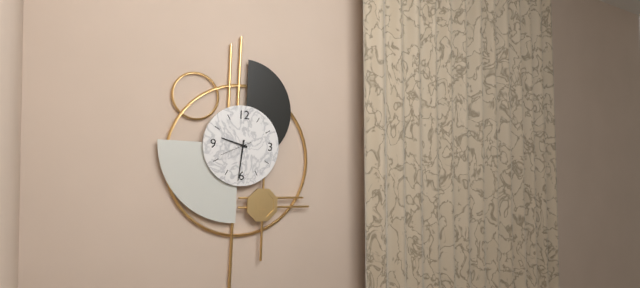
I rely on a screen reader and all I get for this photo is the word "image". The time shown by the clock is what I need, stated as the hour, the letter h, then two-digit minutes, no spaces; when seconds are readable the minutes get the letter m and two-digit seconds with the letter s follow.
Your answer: 9h31
